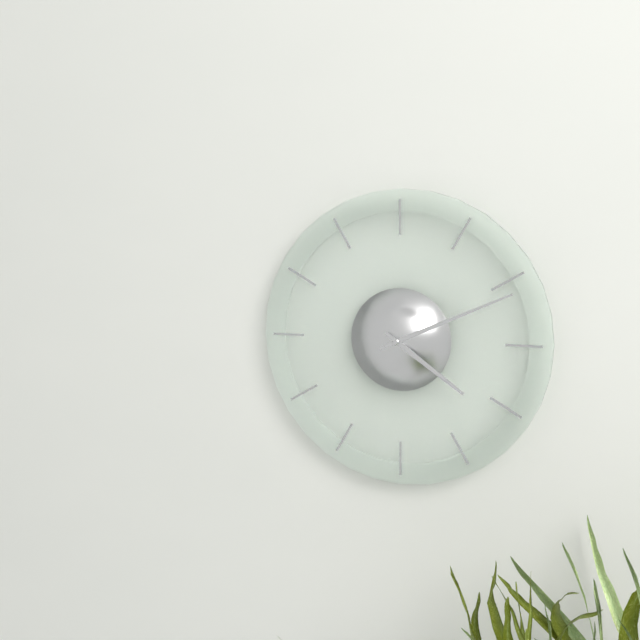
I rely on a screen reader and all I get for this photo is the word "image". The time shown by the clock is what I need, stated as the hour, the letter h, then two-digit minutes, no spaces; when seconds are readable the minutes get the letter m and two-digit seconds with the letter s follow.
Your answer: 4h11
